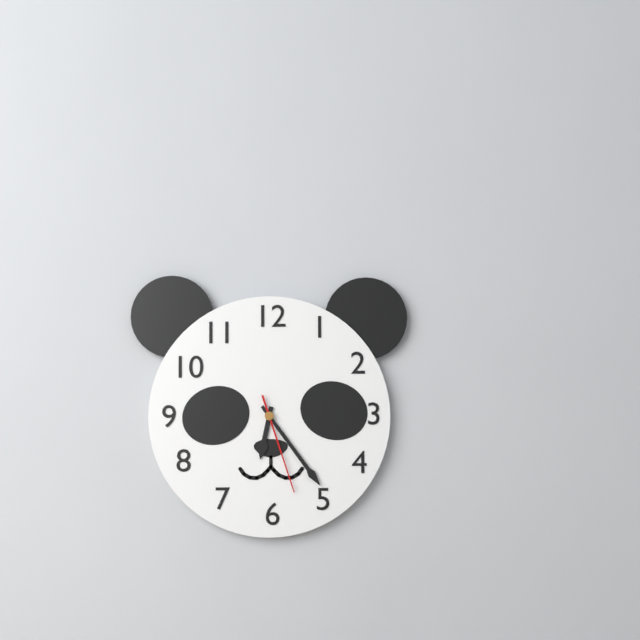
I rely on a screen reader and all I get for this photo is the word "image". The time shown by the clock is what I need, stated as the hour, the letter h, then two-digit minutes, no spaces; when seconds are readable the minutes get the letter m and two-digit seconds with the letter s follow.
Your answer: 6h24m27s
